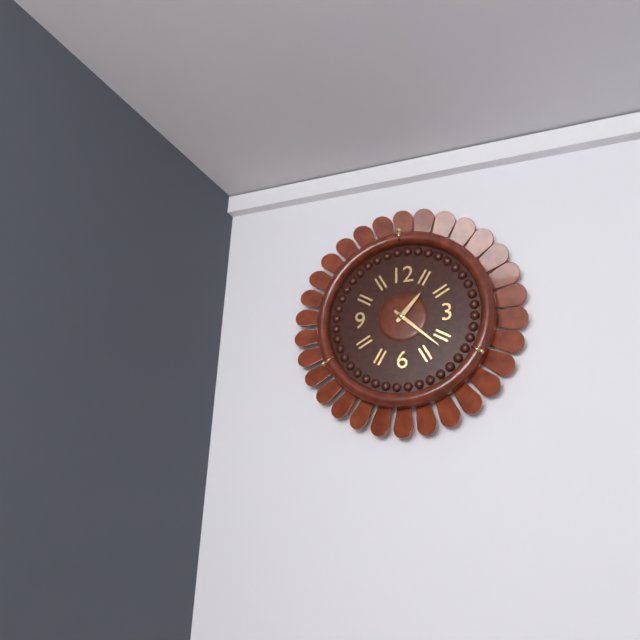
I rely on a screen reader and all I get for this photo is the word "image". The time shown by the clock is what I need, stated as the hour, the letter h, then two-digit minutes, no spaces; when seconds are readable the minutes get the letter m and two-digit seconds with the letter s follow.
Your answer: 1h22
